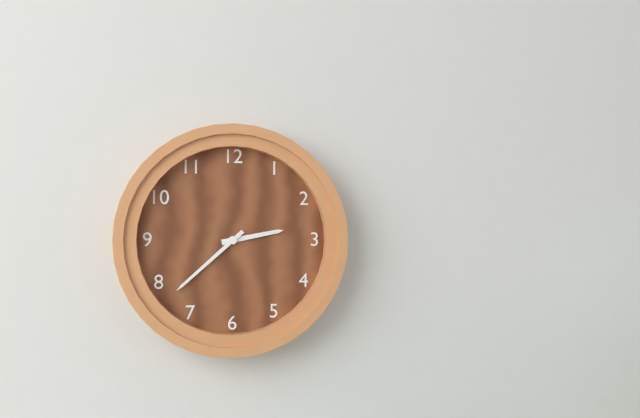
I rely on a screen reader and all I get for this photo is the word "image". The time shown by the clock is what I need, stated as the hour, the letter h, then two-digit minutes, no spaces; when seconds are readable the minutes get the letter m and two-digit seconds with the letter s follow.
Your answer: 2h38
